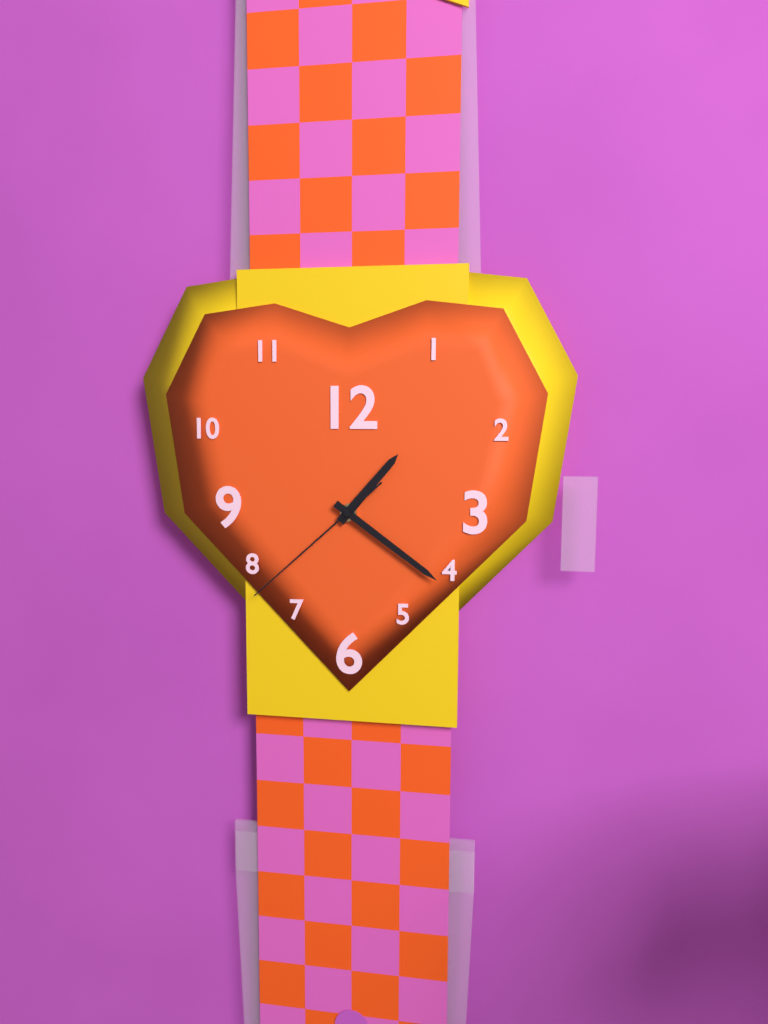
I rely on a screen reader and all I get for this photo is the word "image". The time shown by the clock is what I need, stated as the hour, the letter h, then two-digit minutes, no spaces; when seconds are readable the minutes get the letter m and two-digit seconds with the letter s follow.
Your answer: 1h21m38s
